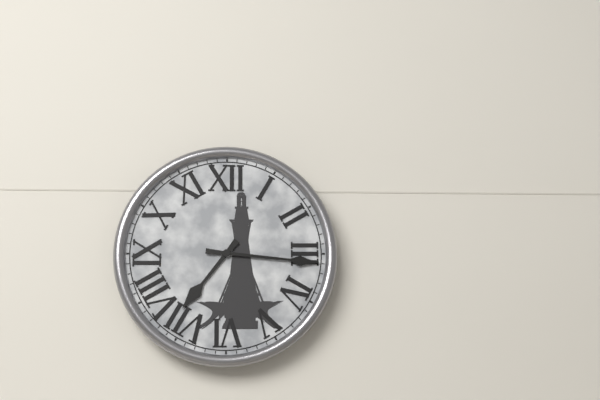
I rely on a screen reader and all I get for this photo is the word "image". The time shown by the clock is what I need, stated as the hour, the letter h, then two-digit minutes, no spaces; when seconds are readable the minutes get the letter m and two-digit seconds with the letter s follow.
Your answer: 7h16
